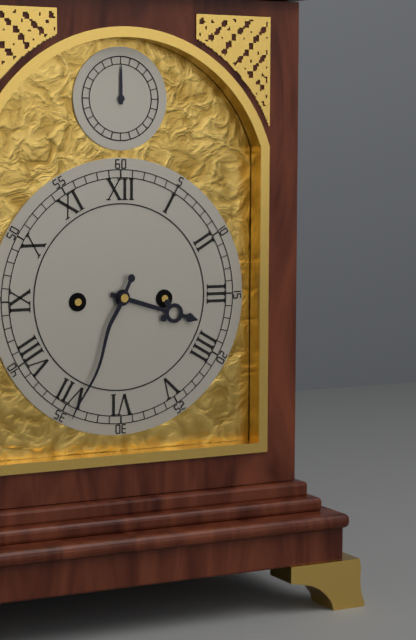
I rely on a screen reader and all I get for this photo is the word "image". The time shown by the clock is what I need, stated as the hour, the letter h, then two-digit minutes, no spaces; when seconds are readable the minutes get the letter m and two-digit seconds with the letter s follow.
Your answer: 3h34
